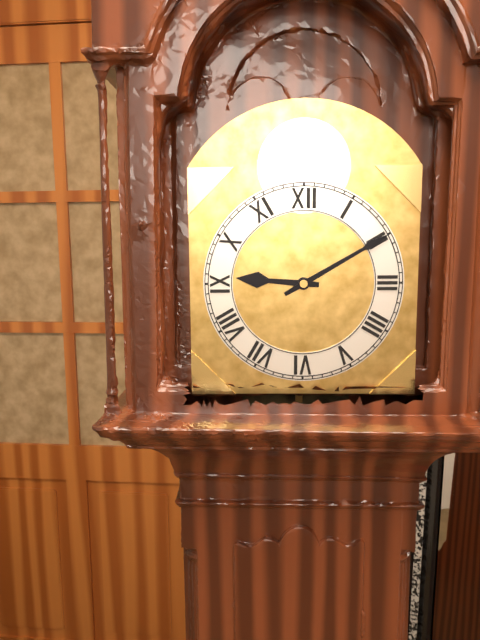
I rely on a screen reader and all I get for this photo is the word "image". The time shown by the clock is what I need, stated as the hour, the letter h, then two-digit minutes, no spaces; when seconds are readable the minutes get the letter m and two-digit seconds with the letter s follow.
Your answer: 9h10
